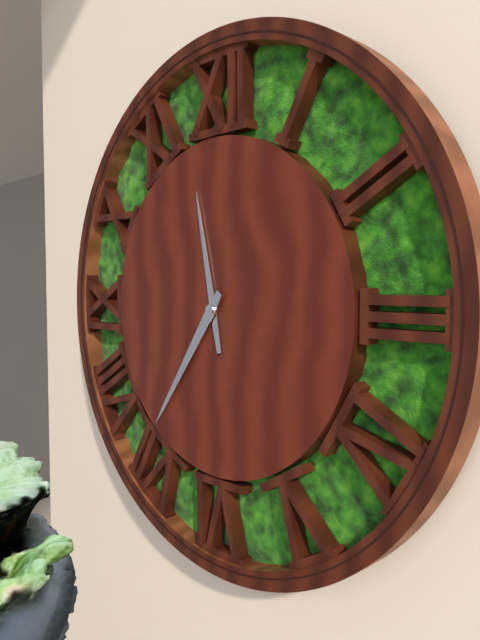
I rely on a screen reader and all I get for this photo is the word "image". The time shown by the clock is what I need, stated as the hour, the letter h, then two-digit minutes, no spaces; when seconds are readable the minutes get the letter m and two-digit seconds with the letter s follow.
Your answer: 11h36
